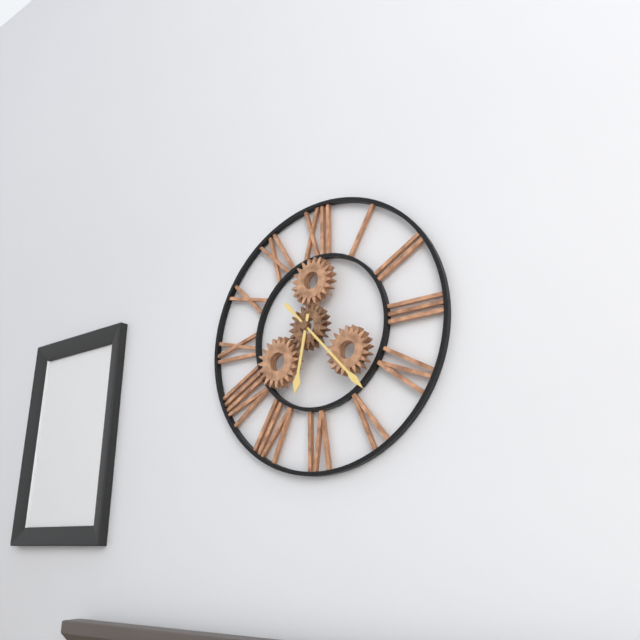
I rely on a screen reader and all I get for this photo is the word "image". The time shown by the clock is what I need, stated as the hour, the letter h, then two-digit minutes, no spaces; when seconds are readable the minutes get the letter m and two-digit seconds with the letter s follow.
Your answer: 6h23
